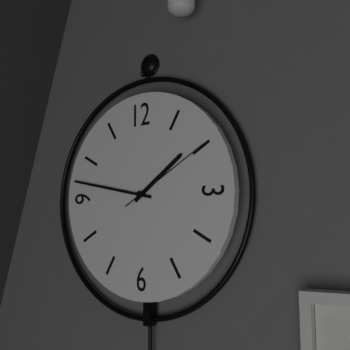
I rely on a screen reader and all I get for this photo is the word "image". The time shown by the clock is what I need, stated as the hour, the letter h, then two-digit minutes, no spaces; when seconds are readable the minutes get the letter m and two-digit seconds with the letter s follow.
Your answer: 1h47m10s
